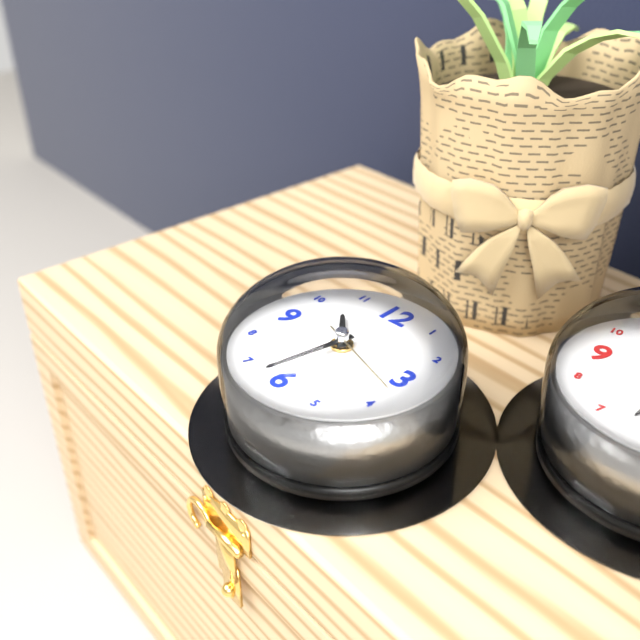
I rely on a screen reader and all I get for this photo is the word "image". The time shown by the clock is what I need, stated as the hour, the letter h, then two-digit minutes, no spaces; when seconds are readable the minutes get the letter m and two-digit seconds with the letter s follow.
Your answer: 10h32m18s
